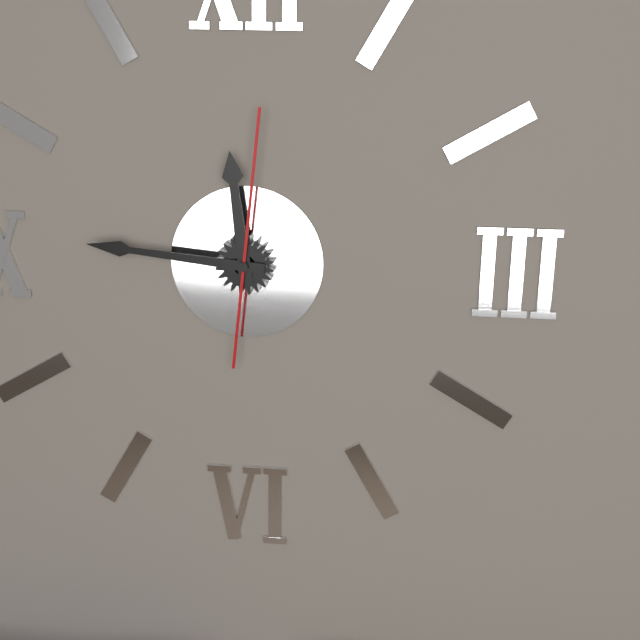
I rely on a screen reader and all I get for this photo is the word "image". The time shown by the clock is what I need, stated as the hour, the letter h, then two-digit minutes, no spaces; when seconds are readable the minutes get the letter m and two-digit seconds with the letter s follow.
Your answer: 11h46m01s
